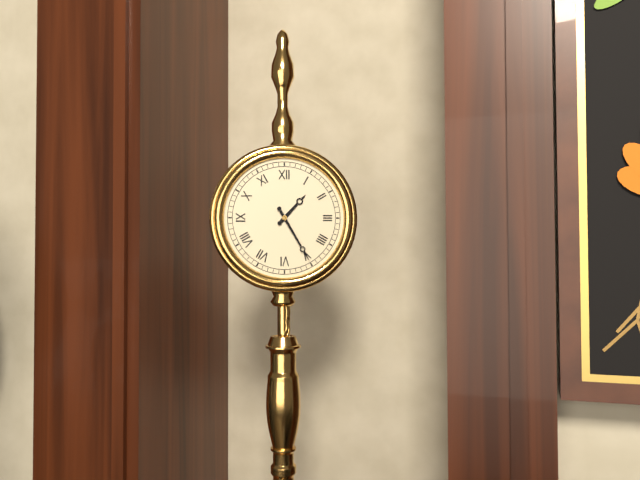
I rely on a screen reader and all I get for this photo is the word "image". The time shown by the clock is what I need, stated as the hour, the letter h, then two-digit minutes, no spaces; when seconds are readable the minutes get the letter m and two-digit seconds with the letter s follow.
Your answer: 1h25
